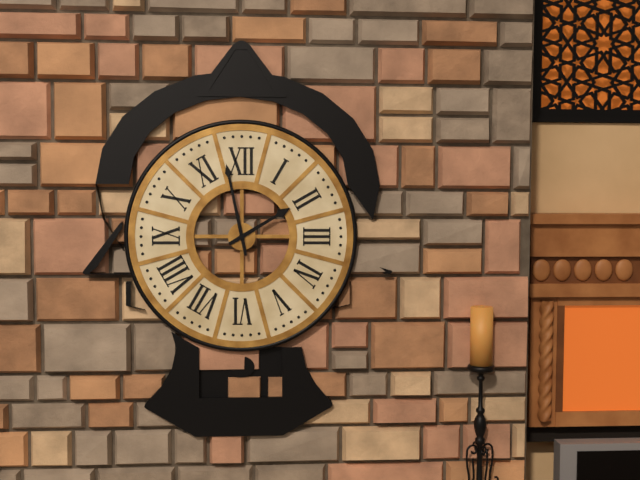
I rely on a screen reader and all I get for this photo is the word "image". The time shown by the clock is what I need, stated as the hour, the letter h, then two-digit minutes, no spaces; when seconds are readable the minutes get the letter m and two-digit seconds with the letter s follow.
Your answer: 1h58
